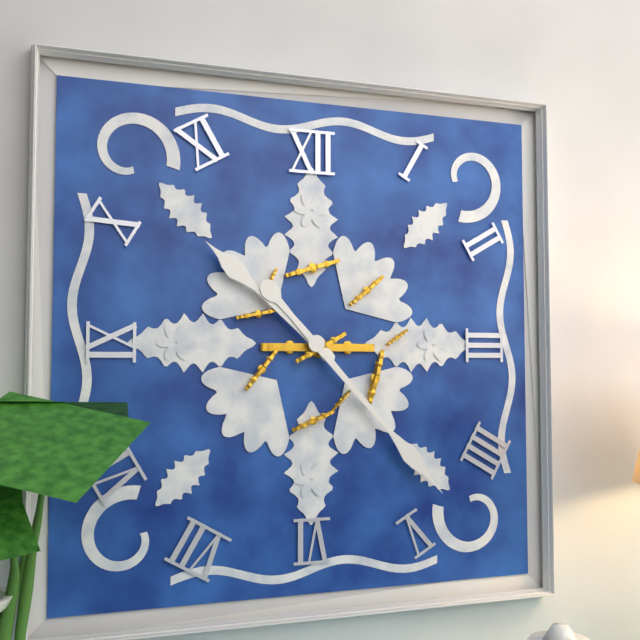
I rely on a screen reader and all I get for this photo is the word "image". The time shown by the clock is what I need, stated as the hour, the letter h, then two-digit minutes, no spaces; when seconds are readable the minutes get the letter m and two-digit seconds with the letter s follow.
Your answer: 10h23
